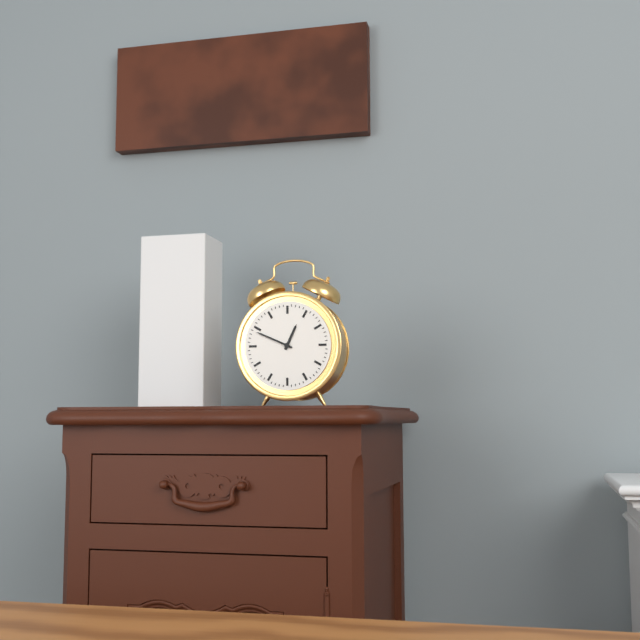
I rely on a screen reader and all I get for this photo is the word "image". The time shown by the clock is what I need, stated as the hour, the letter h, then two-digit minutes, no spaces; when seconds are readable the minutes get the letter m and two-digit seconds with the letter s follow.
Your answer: 12h49
